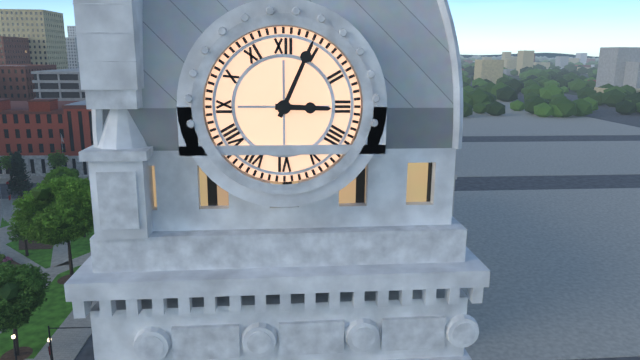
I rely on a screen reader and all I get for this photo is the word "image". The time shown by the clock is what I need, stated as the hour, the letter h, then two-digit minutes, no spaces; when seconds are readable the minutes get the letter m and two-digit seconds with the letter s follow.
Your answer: 3h04
